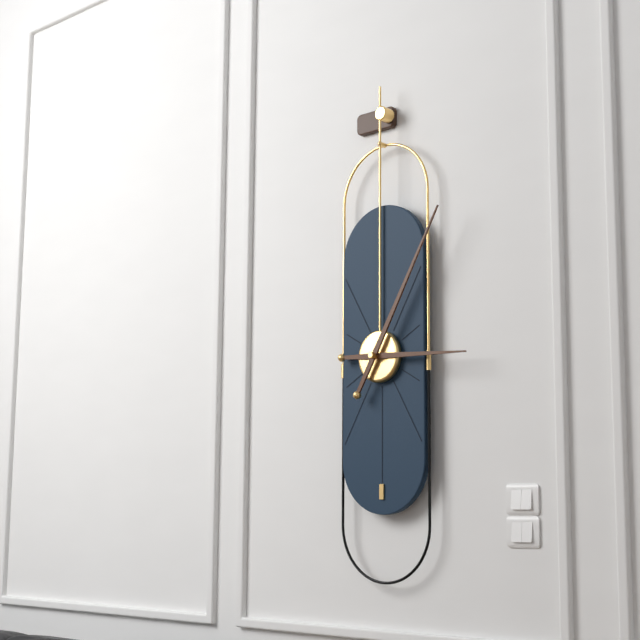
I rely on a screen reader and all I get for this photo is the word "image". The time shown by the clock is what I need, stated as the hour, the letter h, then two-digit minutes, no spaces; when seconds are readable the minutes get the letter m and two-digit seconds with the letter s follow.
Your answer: 3h05
